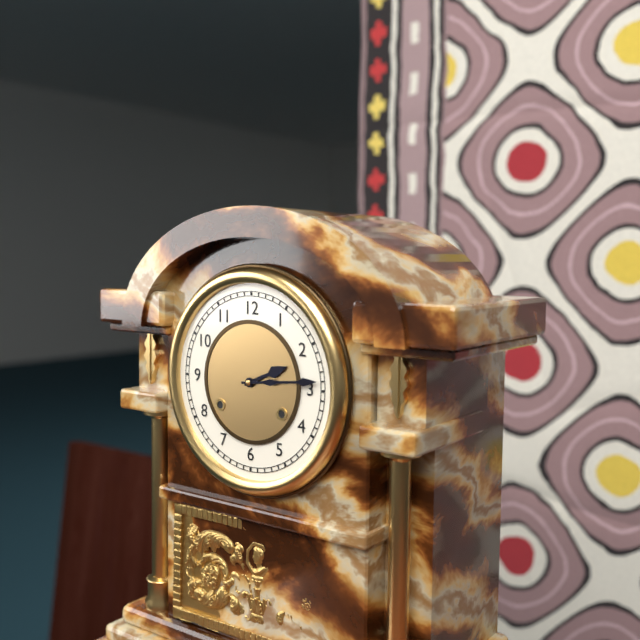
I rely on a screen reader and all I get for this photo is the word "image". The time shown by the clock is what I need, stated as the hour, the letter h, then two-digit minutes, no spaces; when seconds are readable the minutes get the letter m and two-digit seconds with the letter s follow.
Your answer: 2h14
